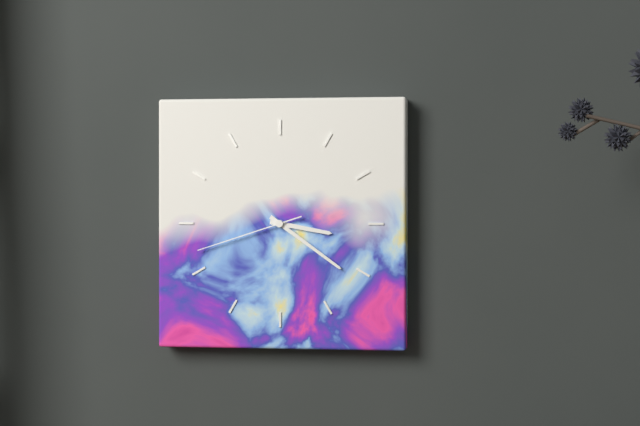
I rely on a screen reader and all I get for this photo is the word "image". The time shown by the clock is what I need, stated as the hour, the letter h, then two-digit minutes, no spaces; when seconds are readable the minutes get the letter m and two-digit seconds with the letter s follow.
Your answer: 3h21m42s
